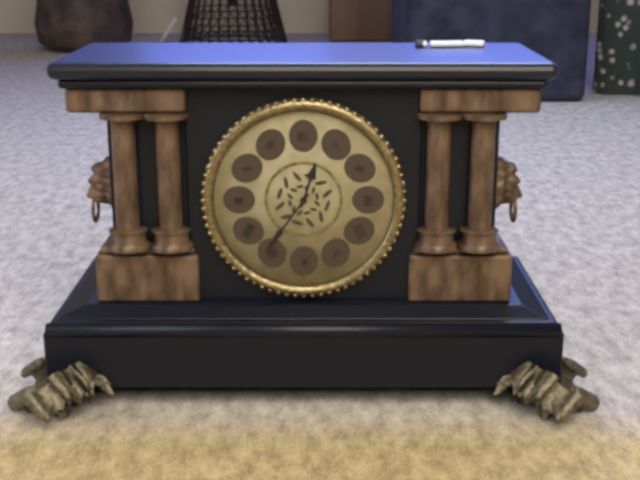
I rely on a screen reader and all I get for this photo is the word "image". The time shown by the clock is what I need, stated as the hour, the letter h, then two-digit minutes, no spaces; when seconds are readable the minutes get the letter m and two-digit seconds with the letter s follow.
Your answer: 12h36
